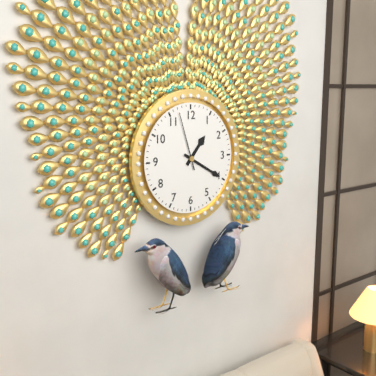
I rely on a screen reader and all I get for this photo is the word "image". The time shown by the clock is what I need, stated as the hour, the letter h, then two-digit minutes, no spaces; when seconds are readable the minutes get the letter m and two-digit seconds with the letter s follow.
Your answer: 1h20m57s
